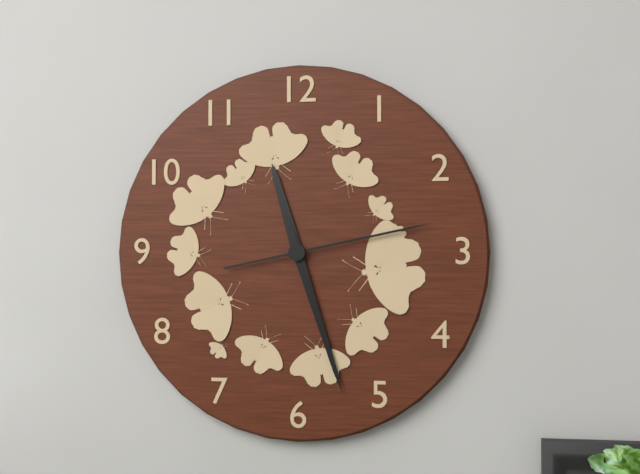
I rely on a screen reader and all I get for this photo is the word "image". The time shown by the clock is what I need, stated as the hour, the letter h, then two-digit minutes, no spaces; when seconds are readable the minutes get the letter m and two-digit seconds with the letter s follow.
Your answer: 11h27m13s
